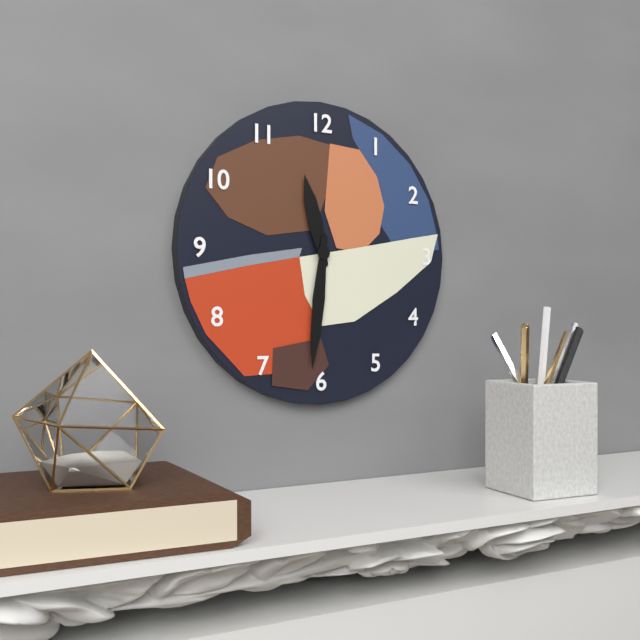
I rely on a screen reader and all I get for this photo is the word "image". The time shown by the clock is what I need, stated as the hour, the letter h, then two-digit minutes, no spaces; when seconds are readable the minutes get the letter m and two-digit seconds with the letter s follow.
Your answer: 11h31
